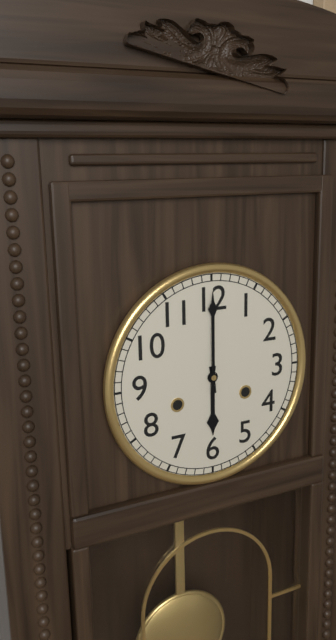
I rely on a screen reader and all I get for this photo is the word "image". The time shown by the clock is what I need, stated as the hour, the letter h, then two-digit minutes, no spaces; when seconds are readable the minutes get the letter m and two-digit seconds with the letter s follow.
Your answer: 6h00
